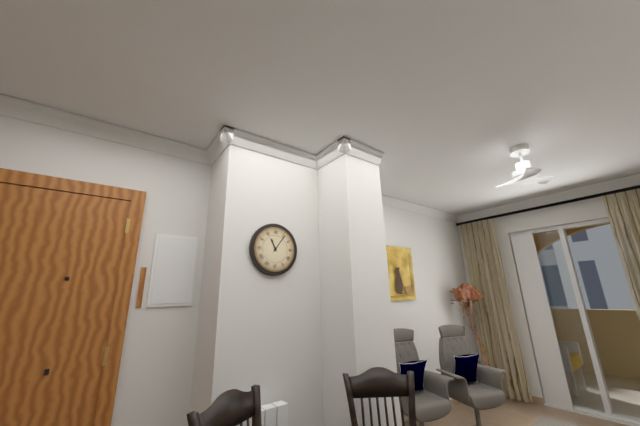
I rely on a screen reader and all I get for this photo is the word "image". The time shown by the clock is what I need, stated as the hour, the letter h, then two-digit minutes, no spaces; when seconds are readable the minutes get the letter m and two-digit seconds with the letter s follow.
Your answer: 11h06
